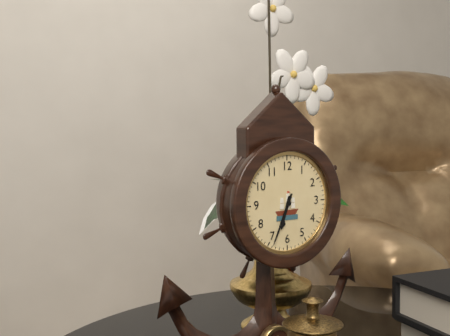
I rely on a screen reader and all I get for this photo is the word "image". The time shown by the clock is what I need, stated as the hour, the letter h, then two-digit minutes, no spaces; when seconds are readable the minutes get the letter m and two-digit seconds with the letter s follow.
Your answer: 6h34
